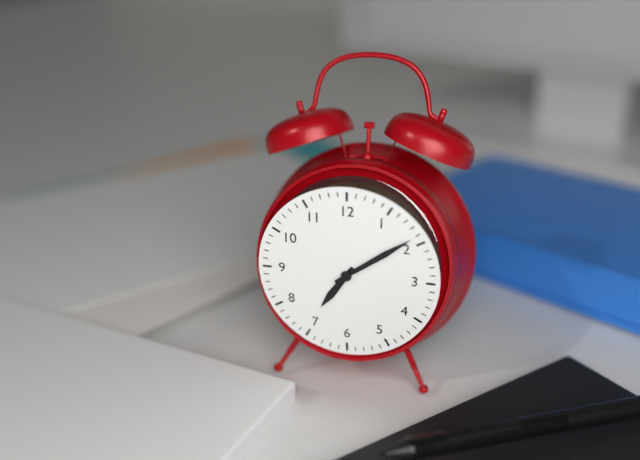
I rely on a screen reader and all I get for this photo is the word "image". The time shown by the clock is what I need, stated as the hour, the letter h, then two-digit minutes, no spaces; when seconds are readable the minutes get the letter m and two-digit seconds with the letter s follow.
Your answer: 7h09
